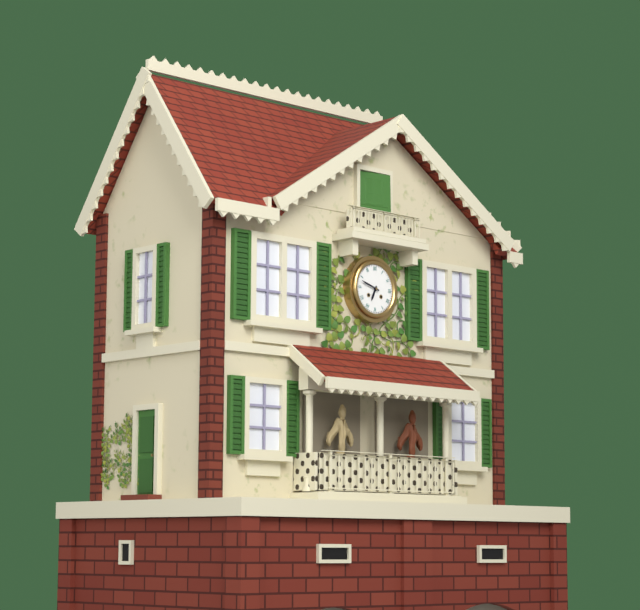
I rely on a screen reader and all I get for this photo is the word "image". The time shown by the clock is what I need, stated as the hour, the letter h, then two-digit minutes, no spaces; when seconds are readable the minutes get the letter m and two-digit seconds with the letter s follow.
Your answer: 6h48
